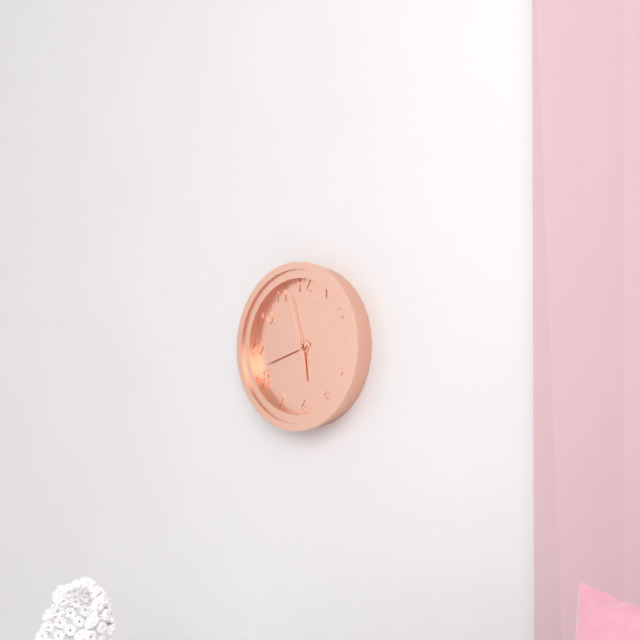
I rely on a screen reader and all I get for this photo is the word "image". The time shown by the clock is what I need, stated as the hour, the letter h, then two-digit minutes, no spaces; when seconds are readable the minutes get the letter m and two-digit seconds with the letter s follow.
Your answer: 5h42m57s
